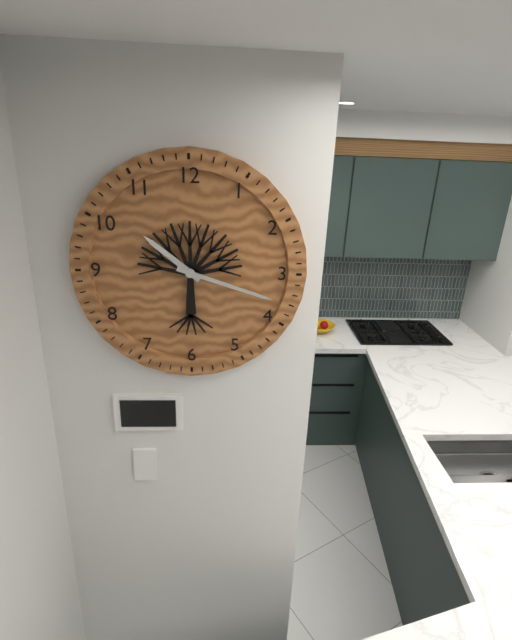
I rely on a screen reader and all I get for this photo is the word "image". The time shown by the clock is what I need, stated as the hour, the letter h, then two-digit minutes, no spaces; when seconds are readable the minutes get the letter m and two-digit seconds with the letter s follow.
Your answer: 10h18
